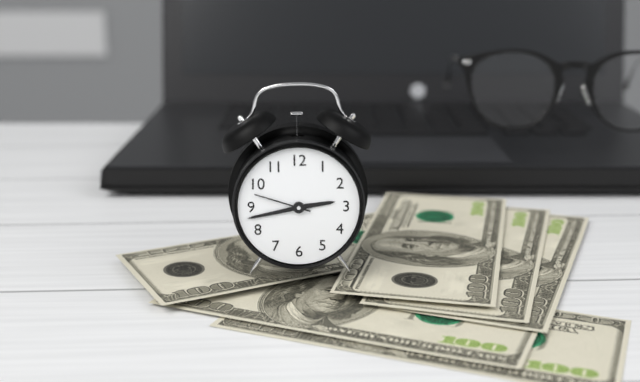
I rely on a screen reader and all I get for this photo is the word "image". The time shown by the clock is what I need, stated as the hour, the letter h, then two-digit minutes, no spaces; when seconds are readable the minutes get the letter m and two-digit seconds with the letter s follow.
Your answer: 2h43m48s
